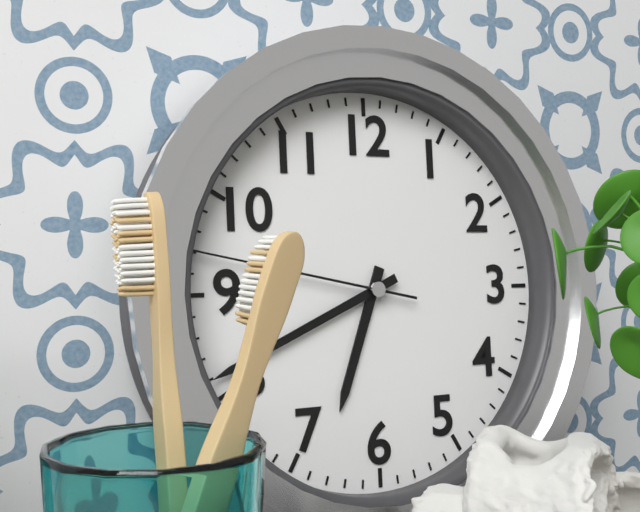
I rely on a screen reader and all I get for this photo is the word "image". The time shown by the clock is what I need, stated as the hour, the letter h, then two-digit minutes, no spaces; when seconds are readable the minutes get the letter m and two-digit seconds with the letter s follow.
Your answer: 6h41
